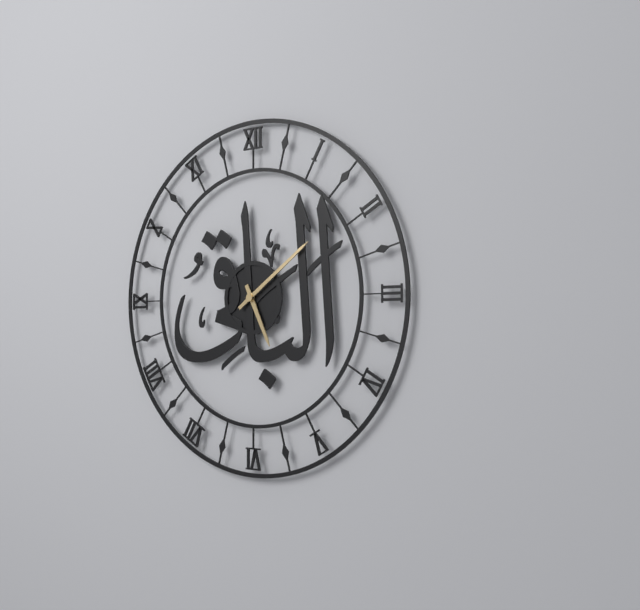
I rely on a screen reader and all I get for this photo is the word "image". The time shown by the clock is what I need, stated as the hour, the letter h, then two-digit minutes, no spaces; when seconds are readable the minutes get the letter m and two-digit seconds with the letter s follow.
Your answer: 5h09
